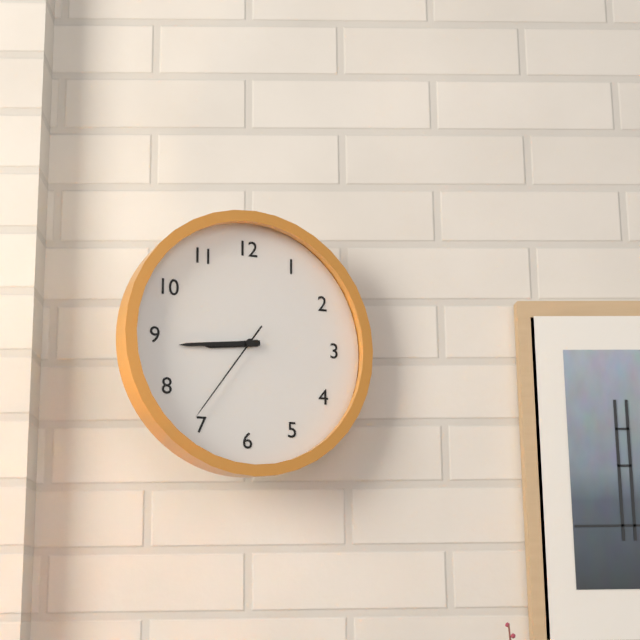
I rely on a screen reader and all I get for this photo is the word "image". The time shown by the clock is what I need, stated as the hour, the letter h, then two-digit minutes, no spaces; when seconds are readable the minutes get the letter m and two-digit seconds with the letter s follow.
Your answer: 8h44m36s
